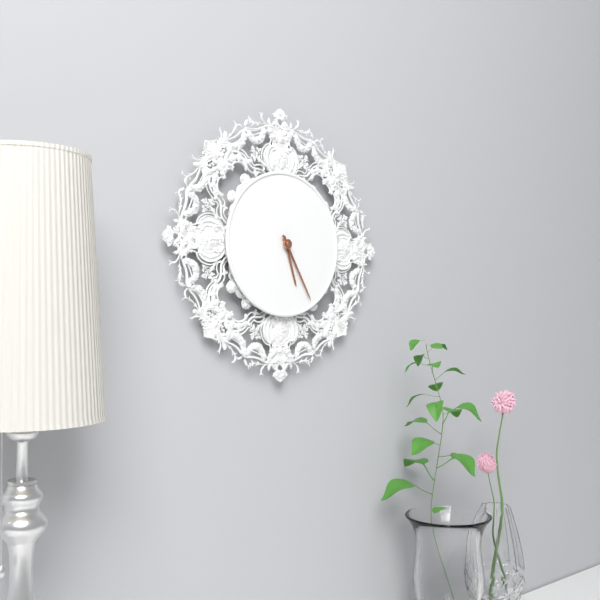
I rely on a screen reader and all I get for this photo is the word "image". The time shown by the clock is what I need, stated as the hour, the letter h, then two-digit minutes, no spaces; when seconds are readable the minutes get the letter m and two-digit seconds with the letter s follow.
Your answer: 5h25
